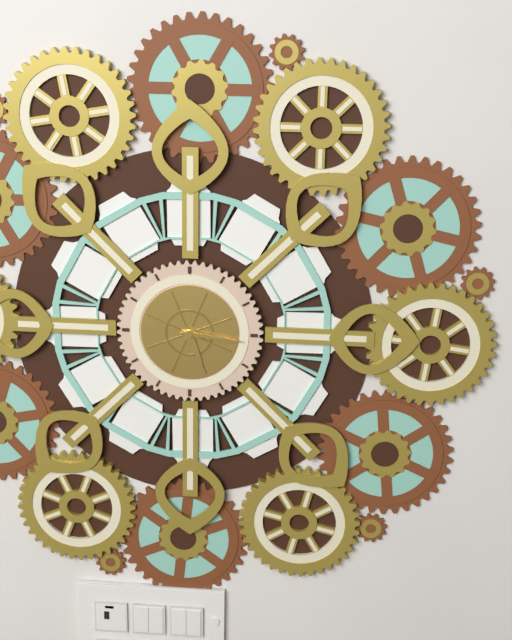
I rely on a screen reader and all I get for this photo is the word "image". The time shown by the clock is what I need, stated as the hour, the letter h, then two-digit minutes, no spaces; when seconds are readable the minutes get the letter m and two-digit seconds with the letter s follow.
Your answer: 5h16
